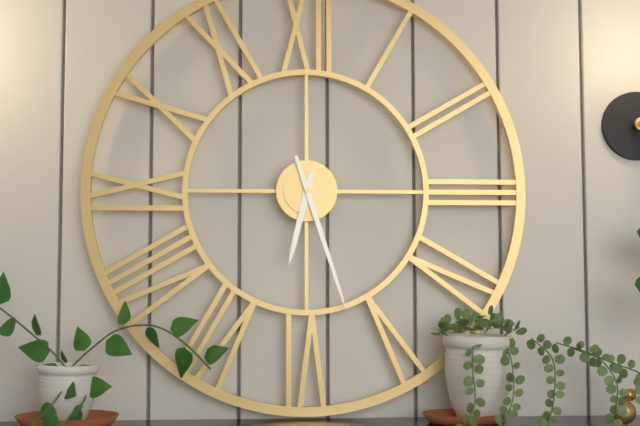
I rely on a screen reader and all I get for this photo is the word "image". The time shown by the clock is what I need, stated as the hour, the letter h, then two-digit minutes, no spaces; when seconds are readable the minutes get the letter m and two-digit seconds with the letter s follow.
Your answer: 6h27
